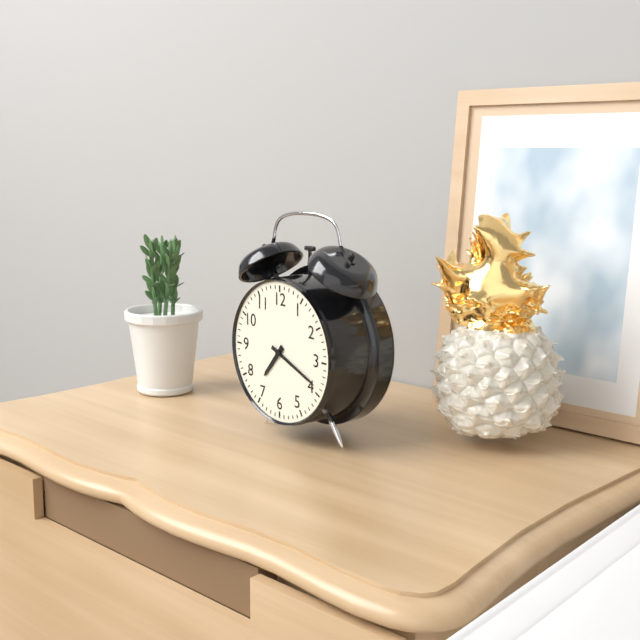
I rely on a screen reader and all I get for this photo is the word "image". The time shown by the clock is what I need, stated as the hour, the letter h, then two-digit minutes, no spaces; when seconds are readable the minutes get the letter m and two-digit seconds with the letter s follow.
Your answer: 7h19
